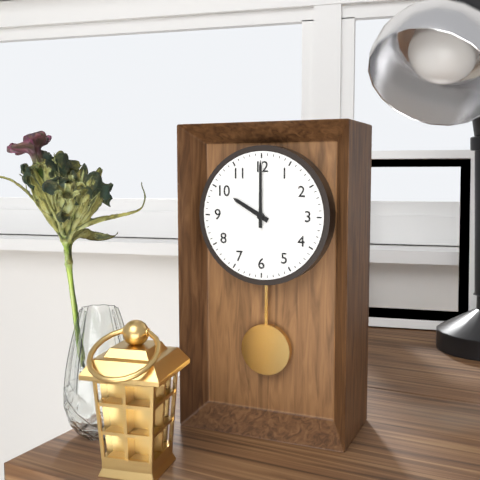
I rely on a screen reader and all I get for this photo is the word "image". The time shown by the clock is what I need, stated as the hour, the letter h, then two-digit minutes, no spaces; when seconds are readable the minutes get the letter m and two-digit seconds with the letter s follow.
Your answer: 10h00
